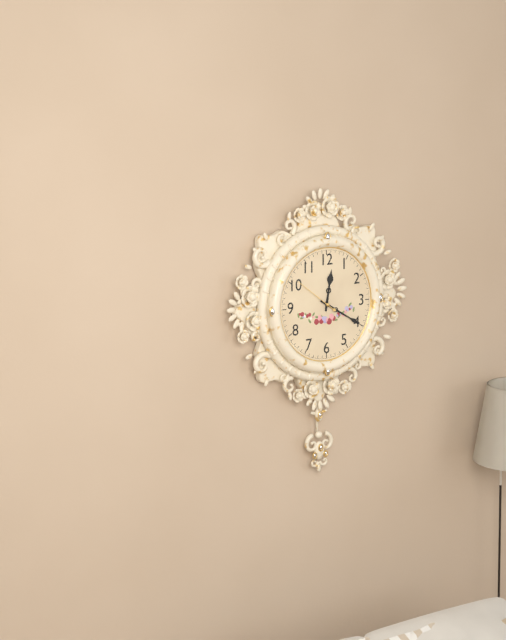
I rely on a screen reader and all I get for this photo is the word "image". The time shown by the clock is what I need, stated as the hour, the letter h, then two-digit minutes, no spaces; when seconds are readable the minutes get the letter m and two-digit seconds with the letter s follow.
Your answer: 12h20
